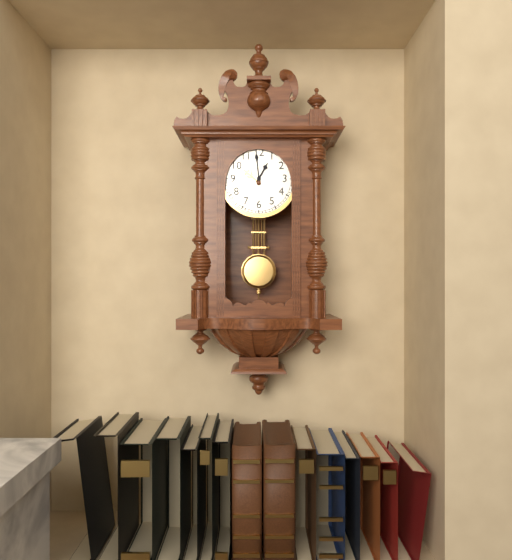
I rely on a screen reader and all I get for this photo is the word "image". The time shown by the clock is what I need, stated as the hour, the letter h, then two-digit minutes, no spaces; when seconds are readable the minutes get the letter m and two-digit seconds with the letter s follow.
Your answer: 12h59
